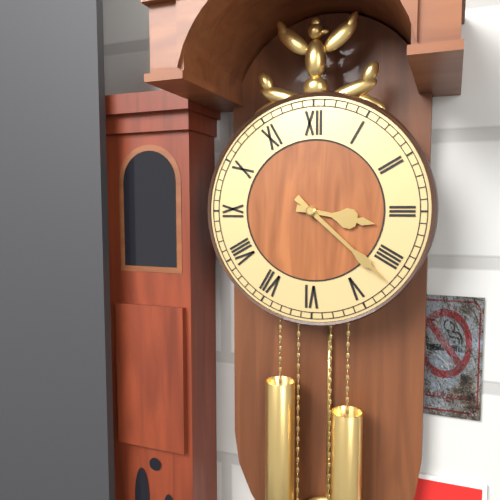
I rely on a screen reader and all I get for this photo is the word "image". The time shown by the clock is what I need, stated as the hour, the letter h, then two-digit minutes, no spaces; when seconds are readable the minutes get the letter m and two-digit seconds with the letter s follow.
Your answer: 3h22
